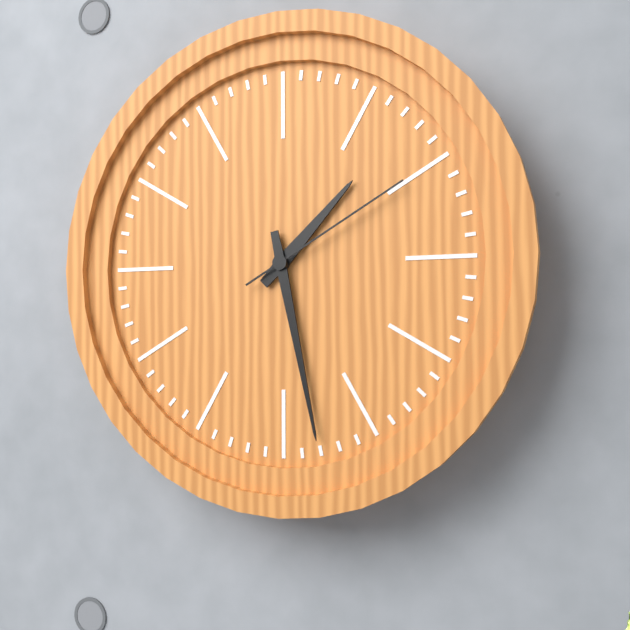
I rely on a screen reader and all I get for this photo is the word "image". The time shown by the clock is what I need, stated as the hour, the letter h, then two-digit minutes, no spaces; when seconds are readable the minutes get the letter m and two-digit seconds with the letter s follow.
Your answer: 1h28m10s
